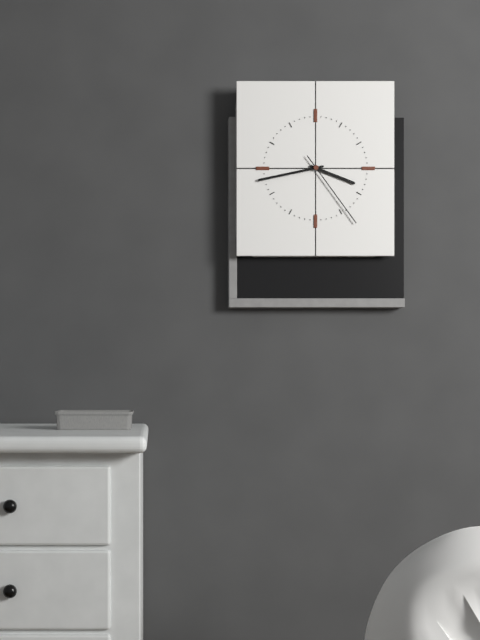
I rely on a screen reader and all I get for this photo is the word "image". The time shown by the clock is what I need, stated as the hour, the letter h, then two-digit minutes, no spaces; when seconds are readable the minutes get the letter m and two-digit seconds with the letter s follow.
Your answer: 3h43m24s
